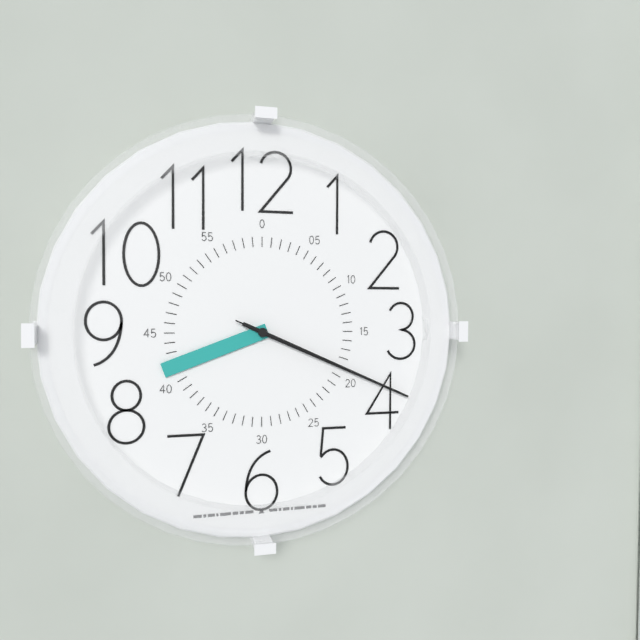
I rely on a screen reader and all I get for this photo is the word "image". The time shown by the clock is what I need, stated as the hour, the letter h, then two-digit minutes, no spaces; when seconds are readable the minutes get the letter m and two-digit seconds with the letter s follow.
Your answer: 8h19m19s
